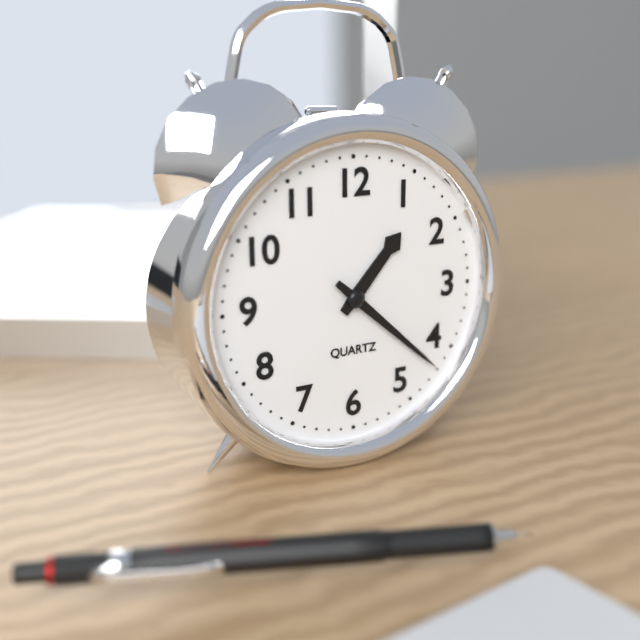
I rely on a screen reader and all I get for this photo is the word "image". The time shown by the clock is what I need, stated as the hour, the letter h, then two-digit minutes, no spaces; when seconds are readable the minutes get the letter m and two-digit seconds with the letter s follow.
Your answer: 1h22
